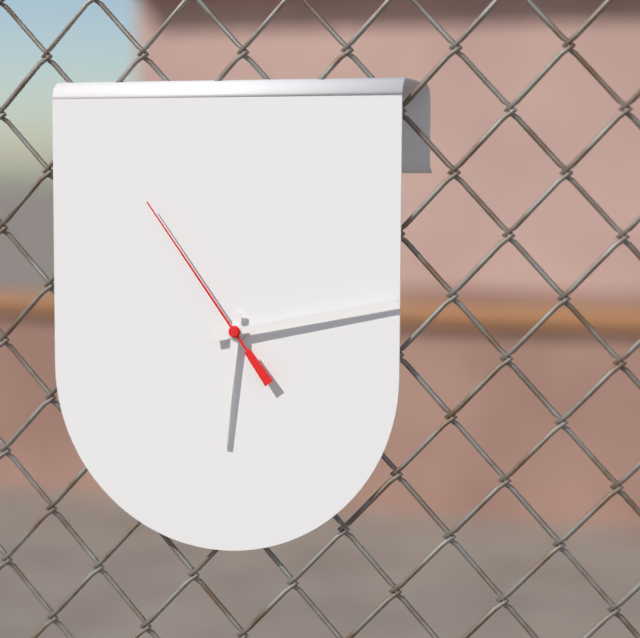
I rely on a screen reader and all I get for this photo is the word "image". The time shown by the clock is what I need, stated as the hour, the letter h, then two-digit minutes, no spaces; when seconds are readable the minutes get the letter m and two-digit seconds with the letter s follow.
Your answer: 6h13m54s
